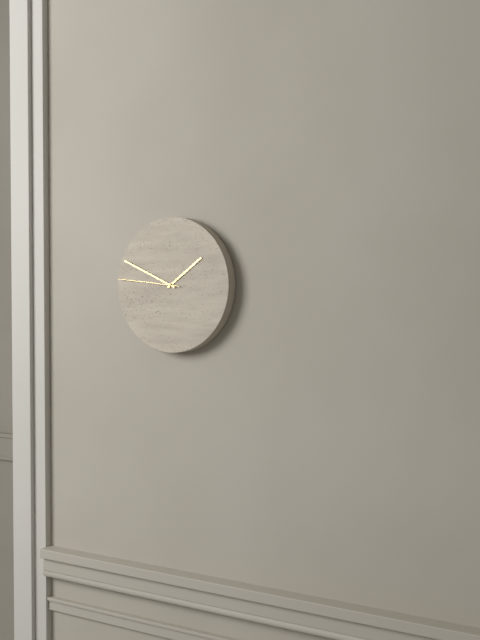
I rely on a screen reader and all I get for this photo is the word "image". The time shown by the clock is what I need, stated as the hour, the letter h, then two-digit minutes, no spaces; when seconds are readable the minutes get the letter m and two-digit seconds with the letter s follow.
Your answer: 1h49m46s
